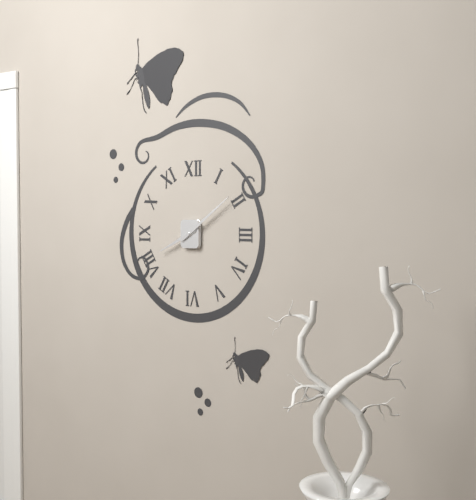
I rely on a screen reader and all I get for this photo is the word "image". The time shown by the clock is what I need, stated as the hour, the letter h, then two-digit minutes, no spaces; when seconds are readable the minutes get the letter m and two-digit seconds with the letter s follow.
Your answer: 8h09
